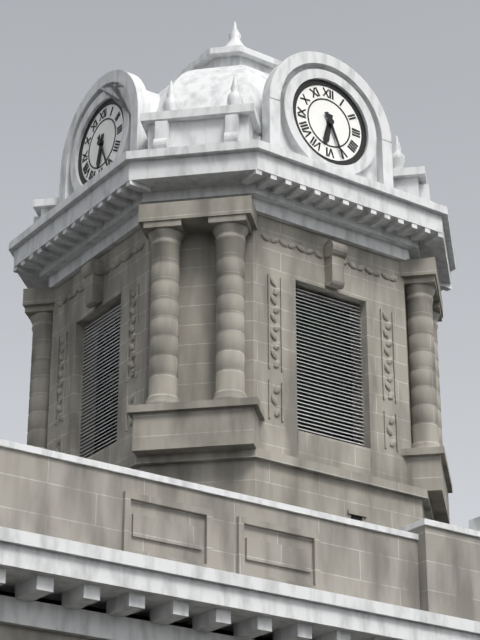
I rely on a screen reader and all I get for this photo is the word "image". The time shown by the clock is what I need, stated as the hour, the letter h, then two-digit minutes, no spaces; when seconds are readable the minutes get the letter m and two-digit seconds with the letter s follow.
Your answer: 6h26
